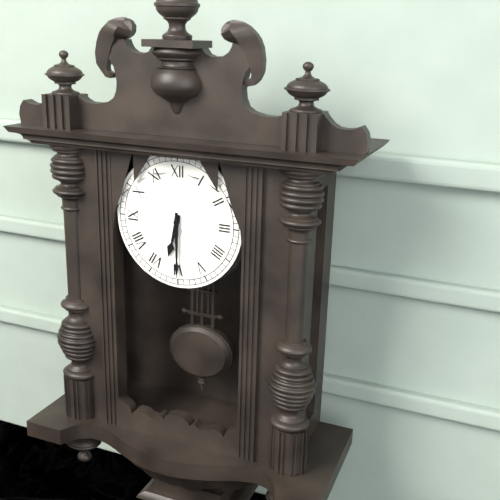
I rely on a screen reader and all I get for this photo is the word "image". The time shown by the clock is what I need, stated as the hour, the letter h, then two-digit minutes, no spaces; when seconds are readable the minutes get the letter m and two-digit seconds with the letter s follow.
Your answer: 6h30
